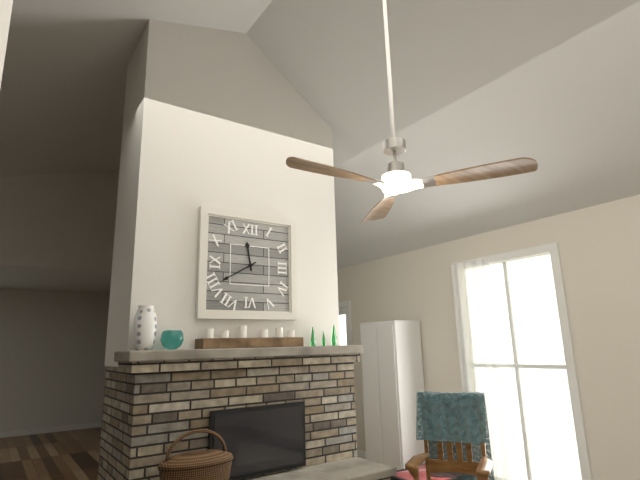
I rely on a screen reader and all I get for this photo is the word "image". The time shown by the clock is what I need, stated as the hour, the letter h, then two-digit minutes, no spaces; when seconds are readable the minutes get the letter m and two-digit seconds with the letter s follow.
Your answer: 11h40
